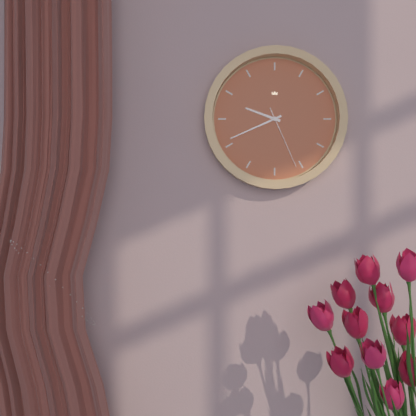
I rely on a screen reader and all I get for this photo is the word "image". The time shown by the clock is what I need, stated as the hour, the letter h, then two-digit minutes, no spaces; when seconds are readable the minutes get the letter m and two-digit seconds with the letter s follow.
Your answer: 9h41m26s
